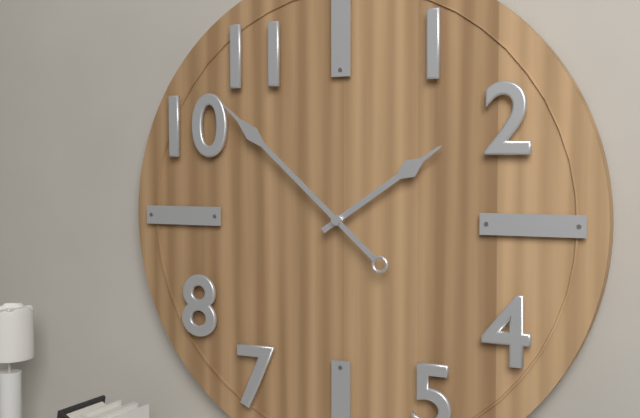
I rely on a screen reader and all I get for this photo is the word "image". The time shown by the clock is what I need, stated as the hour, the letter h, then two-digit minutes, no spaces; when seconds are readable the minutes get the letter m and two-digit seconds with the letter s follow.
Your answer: 1h52
